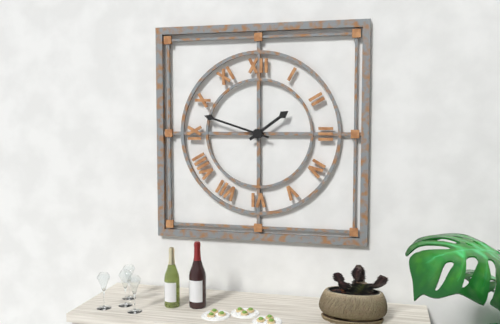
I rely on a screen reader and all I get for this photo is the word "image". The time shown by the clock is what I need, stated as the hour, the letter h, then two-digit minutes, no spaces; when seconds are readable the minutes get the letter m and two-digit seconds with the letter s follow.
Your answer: 1h48
